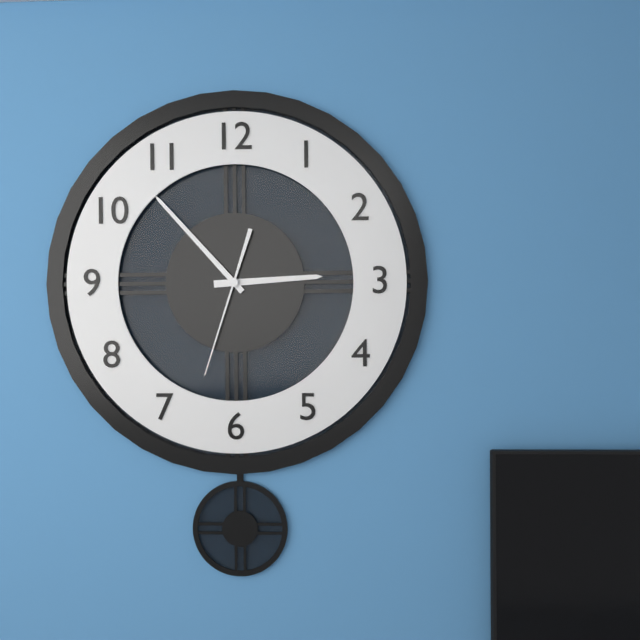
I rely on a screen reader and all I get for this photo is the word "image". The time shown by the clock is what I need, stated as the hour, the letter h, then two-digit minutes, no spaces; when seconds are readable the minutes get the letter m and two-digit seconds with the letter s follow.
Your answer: 2h53m33s
